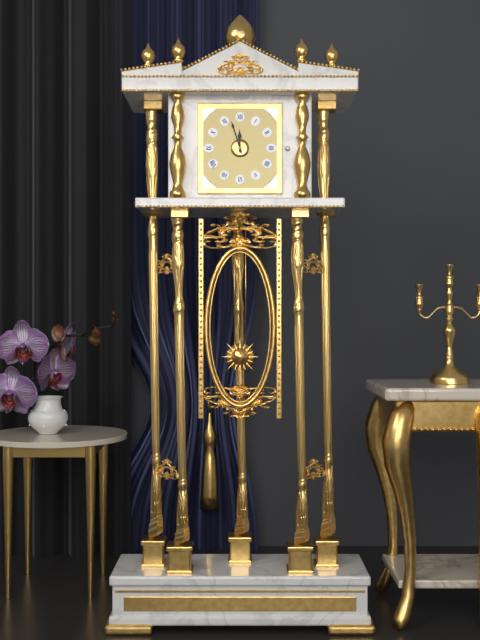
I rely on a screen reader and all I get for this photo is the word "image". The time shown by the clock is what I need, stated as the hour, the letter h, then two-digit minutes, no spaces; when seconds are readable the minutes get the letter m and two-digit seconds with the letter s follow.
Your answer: 11h57
